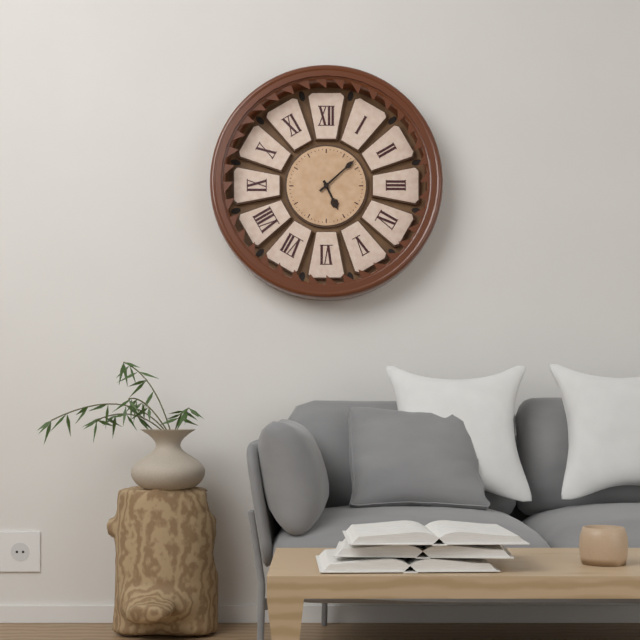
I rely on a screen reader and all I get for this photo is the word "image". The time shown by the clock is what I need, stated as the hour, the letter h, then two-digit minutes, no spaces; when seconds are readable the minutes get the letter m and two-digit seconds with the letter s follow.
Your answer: 5h08
